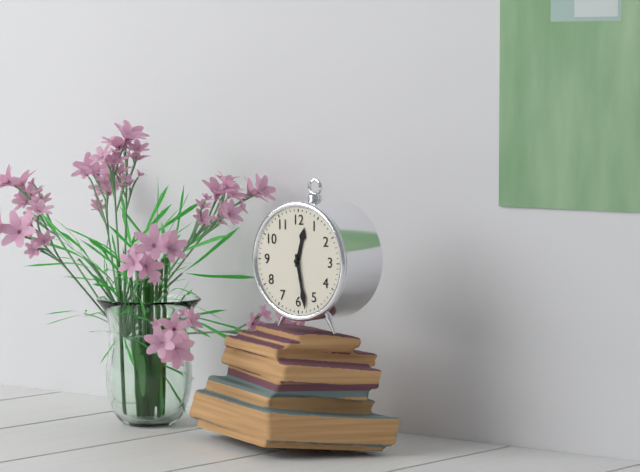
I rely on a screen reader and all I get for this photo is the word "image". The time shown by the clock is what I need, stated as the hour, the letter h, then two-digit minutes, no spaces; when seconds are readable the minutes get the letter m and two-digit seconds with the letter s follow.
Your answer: 12h28
